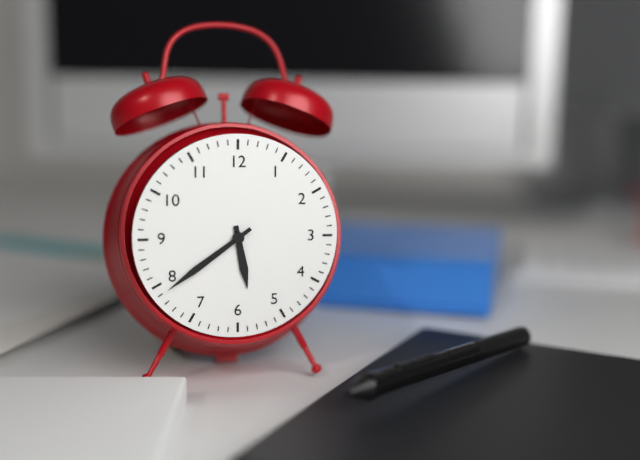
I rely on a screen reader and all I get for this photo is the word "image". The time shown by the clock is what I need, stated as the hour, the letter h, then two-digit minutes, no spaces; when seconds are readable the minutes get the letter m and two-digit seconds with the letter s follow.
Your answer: 5h39
